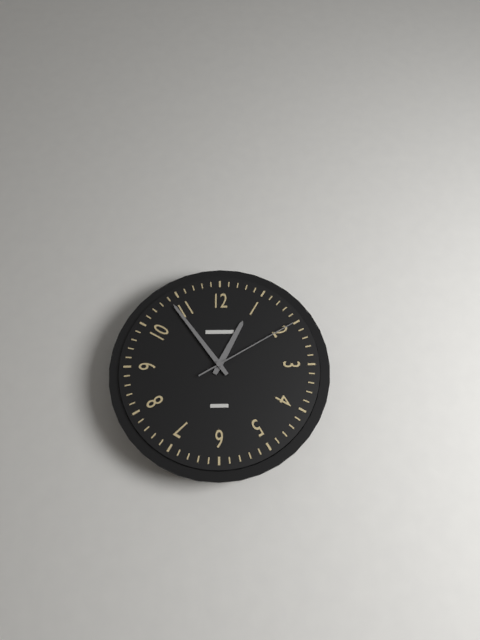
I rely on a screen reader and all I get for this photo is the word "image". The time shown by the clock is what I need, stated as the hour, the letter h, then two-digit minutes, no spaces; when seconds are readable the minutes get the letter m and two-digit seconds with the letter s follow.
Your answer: 12h54m10s
